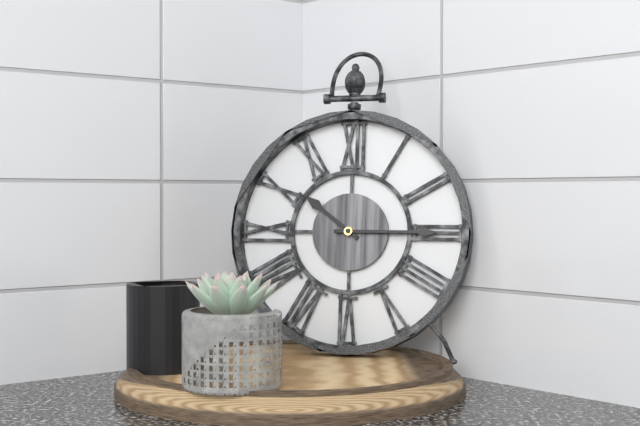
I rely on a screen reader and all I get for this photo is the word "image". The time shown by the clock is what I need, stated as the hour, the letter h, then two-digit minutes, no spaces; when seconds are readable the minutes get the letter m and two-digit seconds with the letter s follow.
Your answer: 10h15
